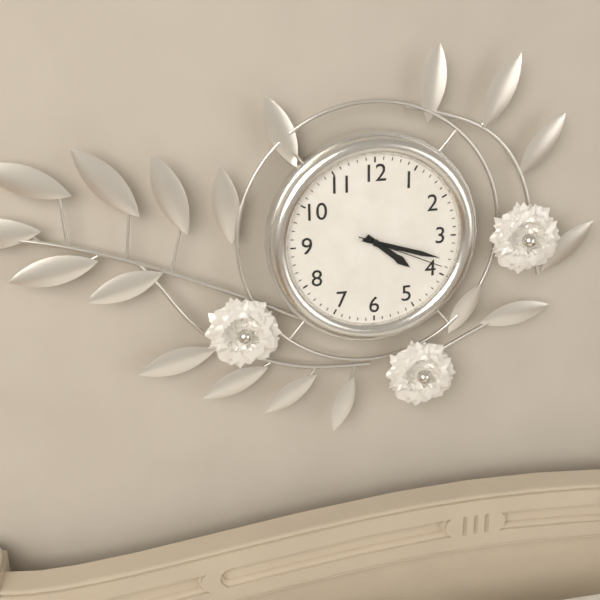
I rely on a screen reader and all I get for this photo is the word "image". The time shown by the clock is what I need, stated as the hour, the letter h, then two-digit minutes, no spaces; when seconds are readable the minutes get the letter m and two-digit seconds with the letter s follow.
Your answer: 4h18m19s
